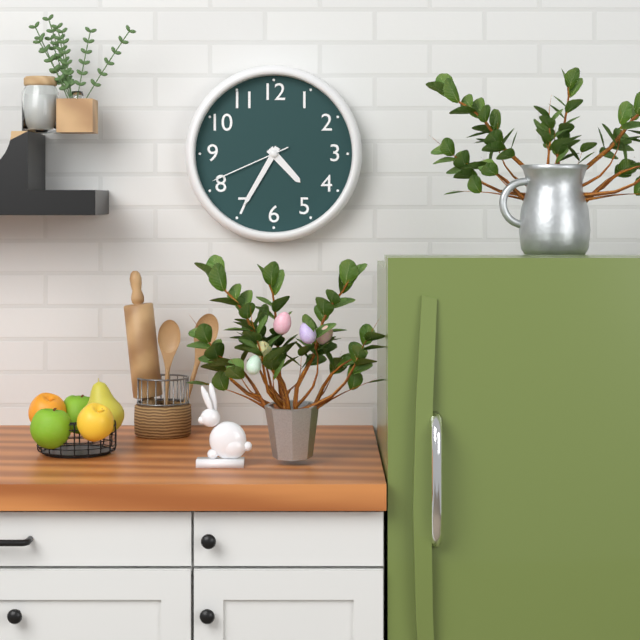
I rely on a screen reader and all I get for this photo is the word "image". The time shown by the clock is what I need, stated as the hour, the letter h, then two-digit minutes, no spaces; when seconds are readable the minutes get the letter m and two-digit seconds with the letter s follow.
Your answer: 4h35m41s
